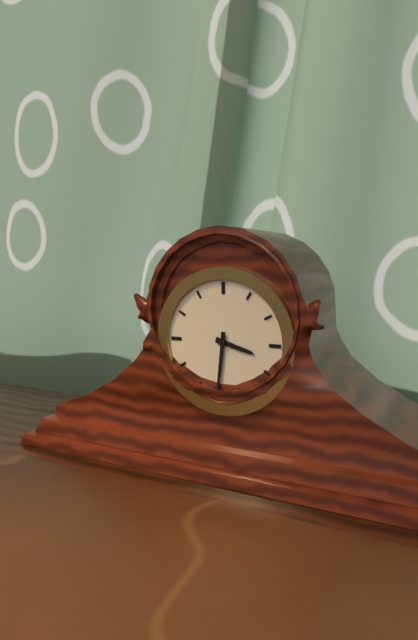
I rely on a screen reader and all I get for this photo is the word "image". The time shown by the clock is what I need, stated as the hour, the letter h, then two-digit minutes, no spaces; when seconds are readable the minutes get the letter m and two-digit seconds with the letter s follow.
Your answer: 3h31
